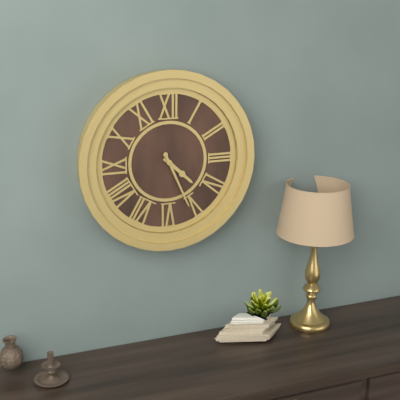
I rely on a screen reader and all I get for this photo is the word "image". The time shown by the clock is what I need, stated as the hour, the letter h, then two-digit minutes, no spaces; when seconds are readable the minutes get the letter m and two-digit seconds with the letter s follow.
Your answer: 4h26
